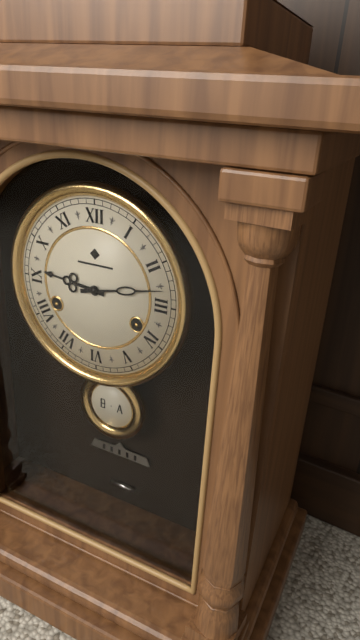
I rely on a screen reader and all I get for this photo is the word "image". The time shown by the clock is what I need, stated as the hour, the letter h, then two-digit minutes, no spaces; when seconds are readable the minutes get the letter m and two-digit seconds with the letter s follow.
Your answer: 9h13
